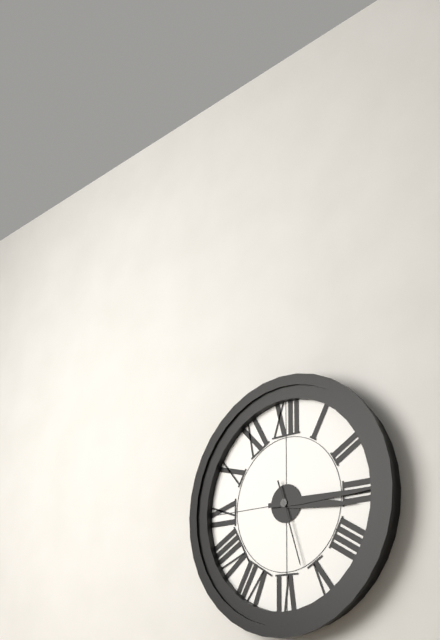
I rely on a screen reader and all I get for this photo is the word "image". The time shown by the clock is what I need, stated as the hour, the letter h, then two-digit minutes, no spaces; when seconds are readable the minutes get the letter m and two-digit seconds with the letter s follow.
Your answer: 3h15m27s
